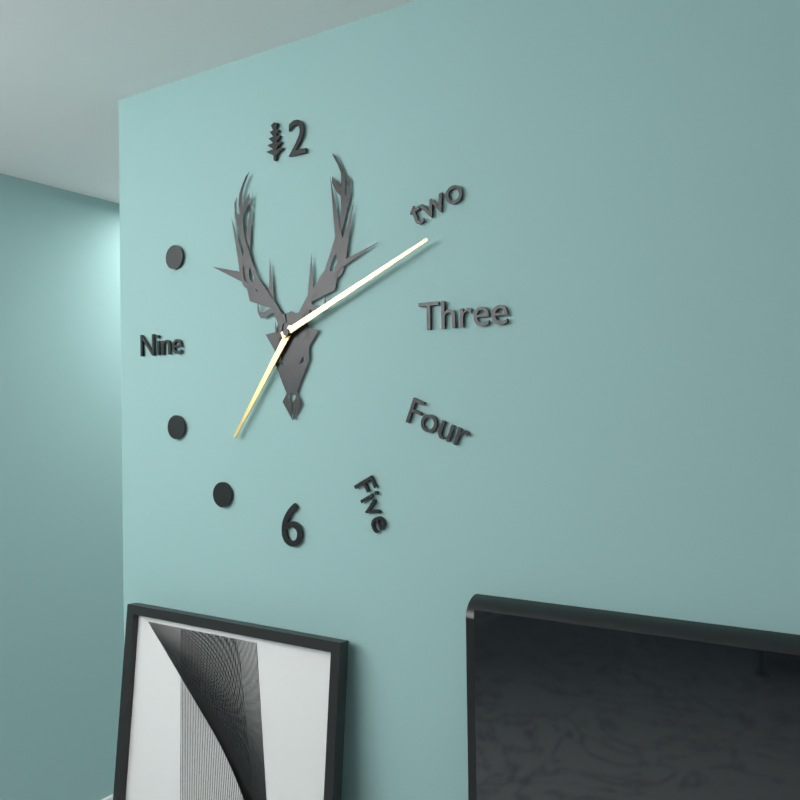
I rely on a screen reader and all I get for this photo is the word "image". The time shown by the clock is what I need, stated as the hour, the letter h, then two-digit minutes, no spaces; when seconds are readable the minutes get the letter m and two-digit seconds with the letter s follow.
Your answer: 7h11
